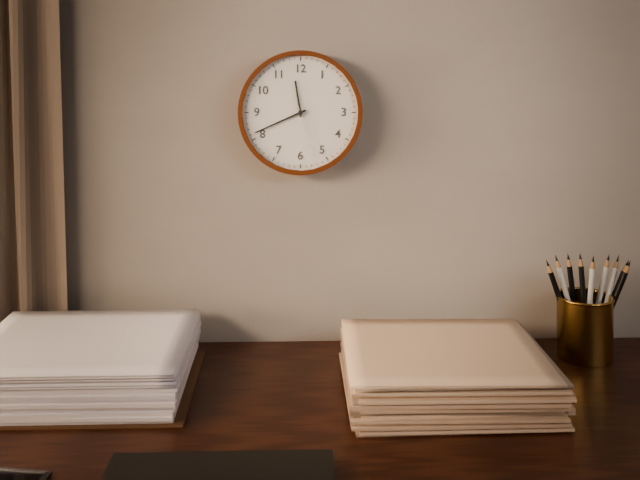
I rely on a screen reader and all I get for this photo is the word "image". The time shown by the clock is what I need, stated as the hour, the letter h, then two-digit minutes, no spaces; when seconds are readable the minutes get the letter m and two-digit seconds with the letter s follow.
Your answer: 11h41m27s
